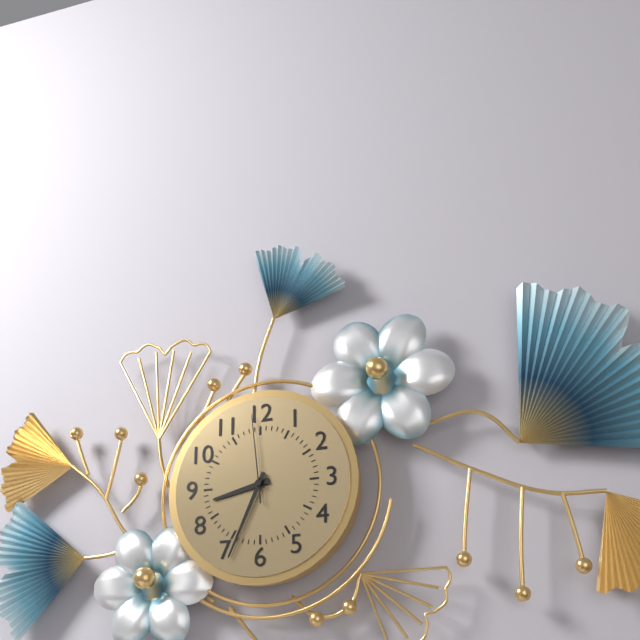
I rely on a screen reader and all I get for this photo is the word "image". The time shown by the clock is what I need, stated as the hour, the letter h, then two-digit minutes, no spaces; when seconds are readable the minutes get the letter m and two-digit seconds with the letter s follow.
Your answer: 8h34m59s
